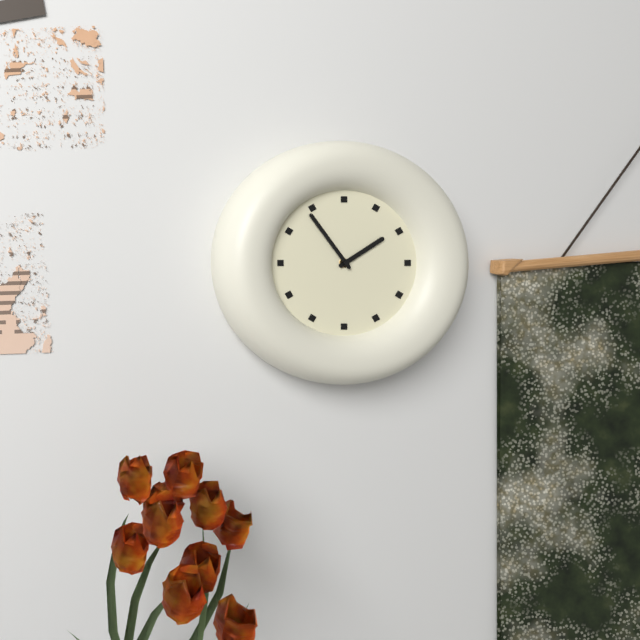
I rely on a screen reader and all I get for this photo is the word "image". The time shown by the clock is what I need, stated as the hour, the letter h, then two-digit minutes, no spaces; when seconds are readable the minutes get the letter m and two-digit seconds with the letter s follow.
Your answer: 1h54
